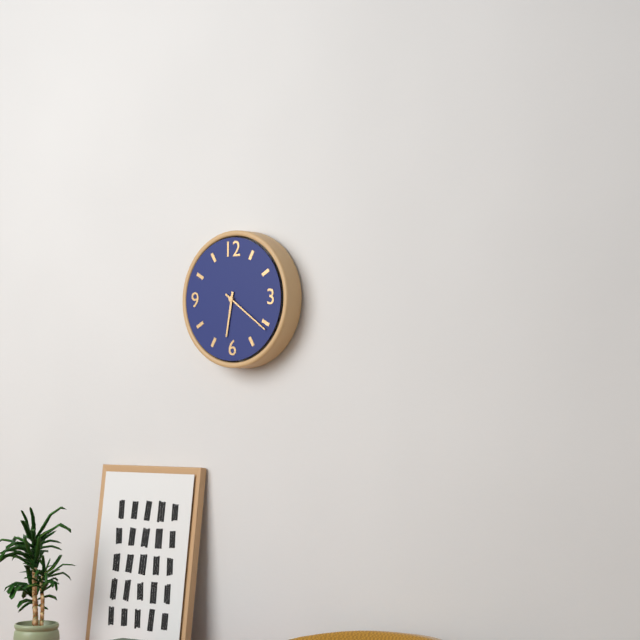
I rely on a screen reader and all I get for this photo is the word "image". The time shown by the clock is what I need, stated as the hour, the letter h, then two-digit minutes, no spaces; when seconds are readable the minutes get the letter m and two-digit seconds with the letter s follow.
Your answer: 6h21
